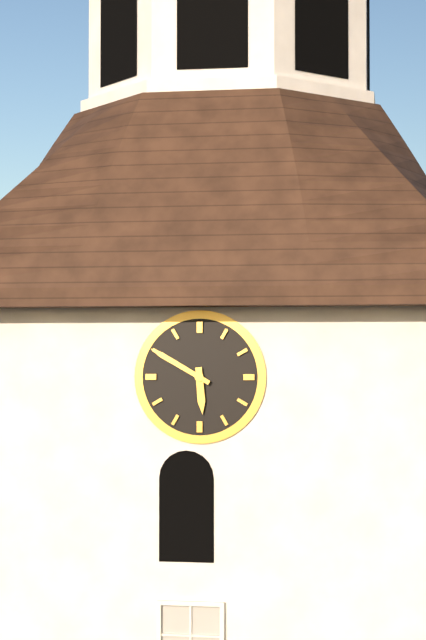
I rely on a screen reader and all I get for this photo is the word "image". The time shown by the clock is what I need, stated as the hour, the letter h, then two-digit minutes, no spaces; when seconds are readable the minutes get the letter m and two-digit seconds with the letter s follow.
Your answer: 5h50
